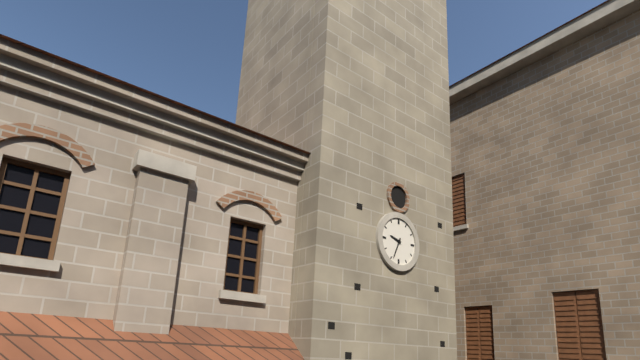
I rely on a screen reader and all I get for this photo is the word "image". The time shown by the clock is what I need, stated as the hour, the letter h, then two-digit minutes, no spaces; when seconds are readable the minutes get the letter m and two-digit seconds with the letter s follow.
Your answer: 9h34
